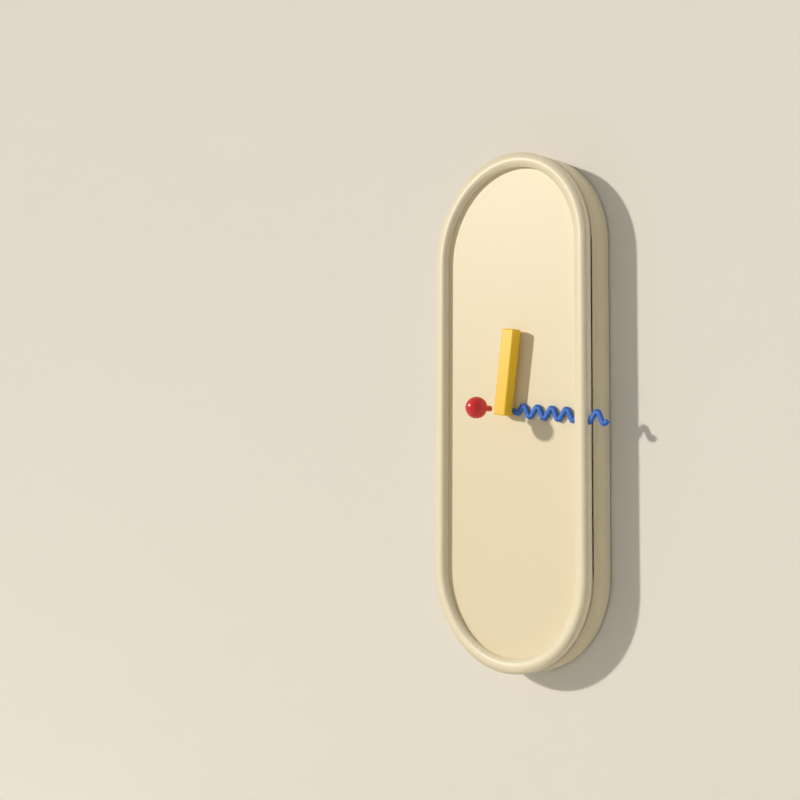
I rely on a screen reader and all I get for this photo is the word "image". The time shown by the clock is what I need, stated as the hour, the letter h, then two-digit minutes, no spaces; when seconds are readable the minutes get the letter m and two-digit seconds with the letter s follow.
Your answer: 12h16
